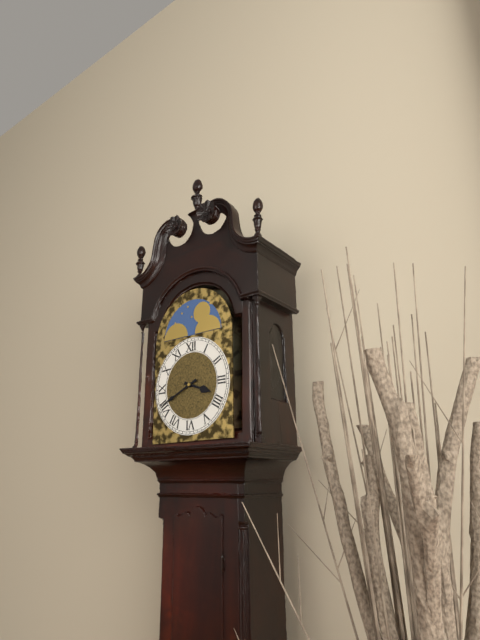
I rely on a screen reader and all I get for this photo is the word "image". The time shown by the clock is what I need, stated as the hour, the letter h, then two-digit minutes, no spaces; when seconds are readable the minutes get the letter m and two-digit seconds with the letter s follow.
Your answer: 3h41
